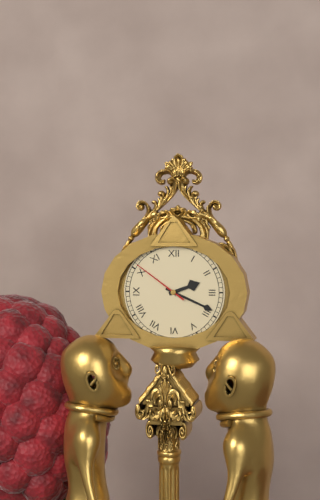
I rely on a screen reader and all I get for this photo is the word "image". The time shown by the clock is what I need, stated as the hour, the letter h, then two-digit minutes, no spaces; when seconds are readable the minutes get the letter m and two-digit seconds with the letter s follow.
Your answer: 2h19m51s
